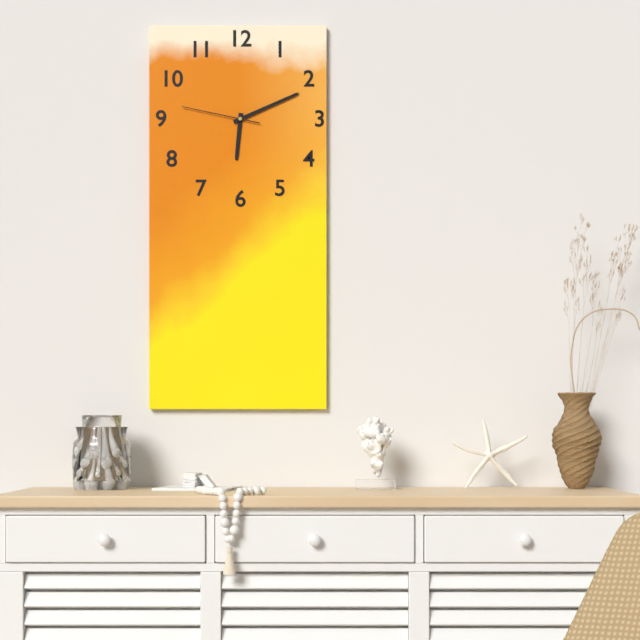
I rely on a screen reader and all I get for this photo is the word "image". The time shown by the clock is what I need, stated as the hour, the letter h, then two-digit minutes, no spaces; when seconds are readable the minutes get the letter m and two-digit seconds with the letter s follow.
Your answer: 6h11m47s
